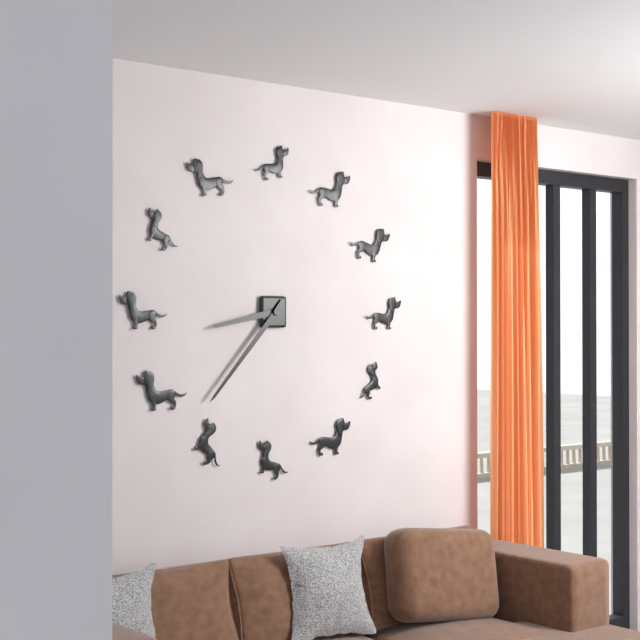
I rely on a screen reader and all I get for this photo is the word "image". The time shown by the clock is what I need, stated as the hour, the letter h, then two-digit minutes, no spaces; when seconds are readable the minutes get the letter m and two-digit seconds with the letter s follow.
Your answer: 8h37
